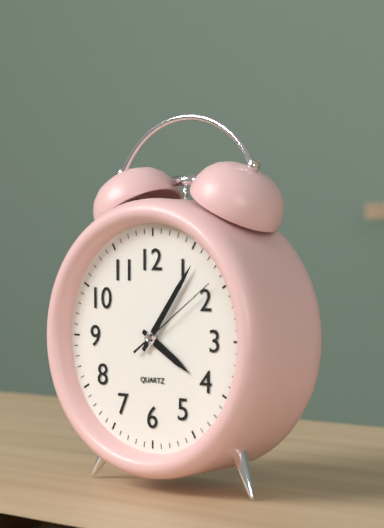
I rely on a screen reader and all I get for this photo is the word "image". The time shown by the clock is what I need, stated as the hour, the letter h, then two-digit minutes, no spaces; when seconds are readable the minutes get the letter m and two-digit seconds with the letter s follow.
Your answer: 4h06m09s
